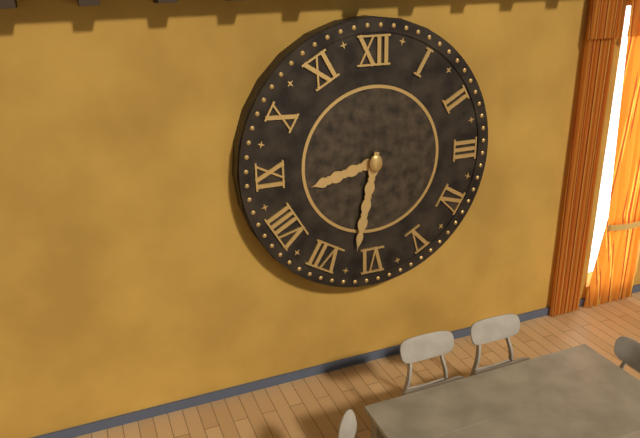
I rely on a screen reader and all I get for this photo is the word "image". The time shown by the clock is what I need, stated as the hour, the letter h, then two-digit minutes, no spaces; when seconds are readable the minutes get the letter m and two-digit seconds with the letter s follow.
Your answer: 8h32
